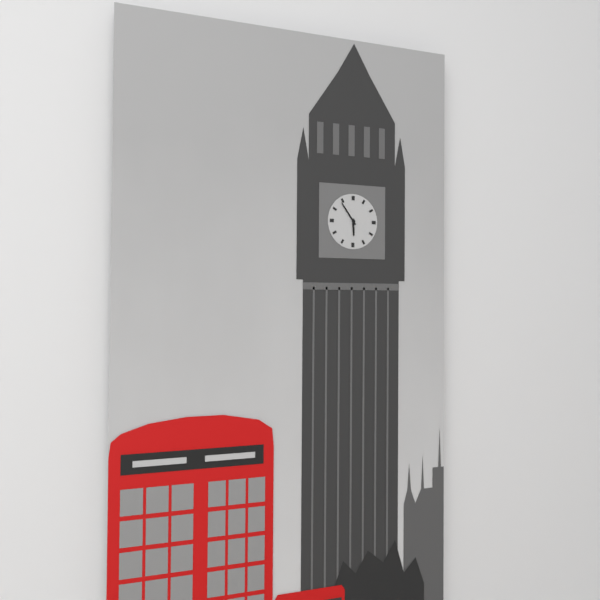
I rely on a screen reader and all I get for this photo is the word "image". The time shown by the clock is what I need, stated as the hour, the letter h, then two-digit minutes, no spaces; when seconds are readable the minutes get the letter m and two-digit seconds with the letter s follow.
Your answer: 5h54
